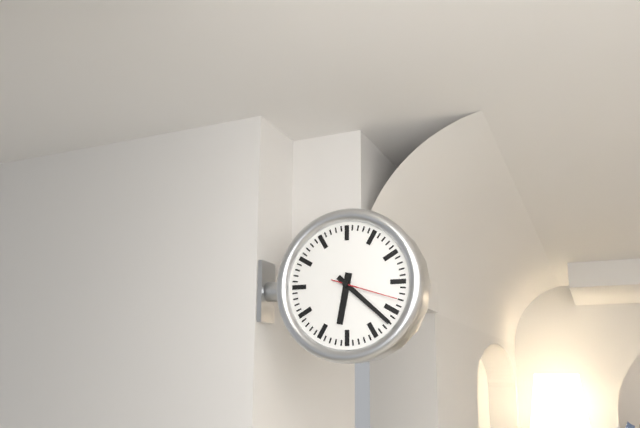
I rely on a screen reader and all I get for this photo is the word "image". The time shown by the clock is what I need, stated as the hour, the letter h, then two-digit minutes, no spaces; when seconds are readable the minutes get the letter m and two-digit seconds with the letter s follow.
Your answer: 6h22m18s
